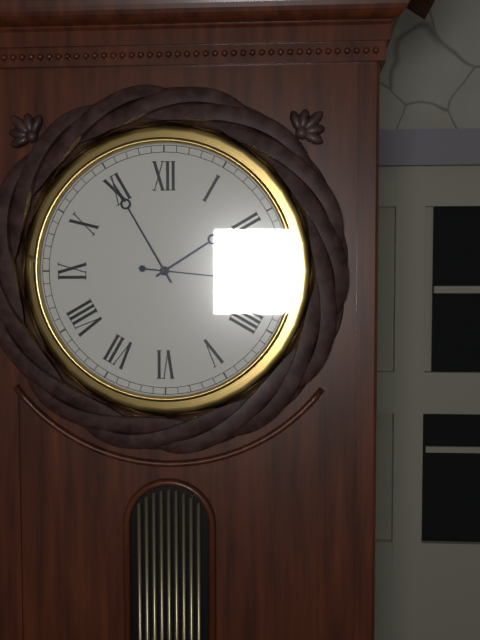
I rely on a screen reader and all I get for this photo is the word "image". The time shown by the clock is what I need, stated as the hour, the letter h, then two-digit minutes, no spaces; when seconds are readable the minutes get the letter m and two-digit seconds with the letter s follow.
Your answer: 1h55m16s
